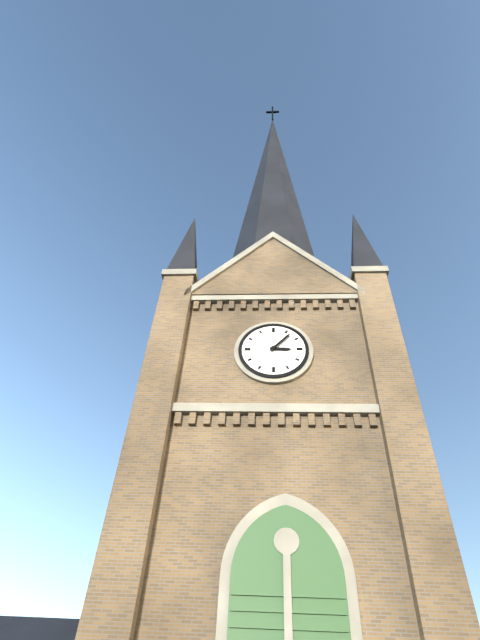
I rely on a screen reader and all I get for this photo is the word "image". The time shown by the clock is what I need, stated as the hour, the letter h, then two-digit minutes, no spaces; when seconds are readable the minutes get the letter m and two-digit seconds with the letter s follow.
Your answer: 3h07
